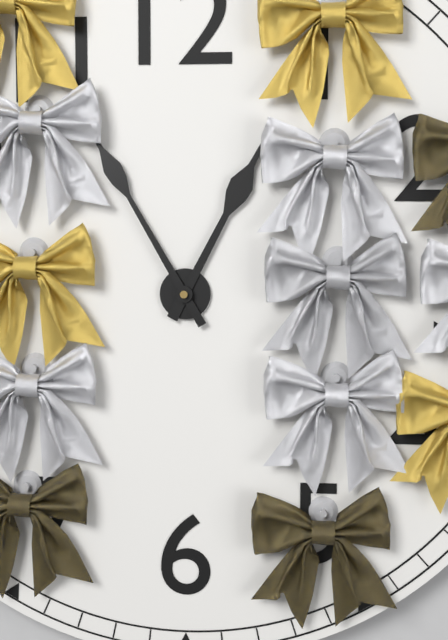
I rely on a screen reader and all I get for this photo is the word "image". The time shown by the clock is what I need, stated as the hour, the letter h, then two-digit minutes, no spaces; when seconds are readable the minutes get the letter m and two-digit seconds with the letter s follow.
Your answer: 12h55
